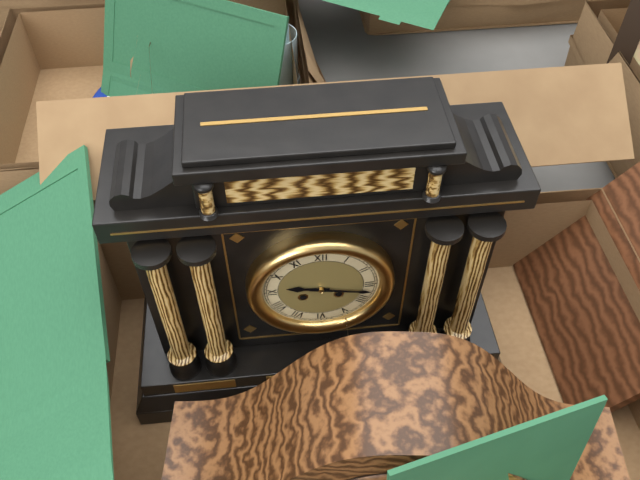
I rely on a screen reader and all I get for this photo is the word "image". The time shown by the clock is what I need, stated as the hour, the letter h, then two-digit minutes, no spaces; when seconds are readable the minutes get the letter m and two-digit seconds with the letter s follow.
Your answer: 9h17
